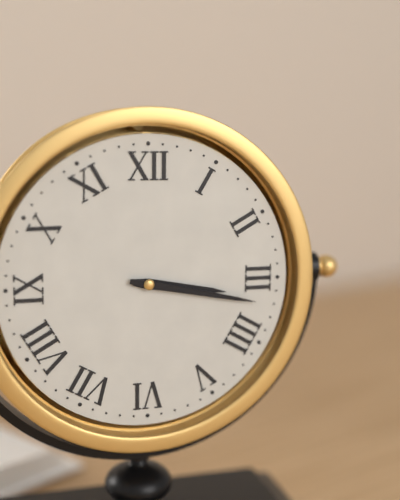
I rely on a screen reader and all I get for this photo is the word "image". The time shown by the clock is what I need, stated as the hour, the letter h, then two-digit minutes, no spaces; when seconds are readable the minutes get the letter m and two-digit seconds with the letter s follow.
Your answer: 3h17
